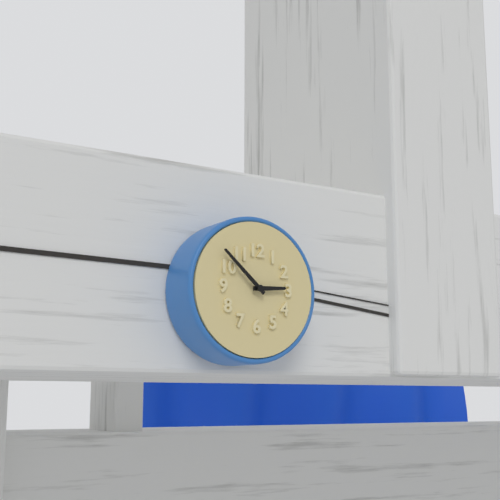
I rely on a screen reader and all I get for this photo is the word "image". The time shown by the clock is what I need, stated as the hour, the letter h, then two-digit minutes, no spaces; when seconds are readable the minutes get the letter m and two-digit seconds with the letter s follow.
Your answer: 2h52
